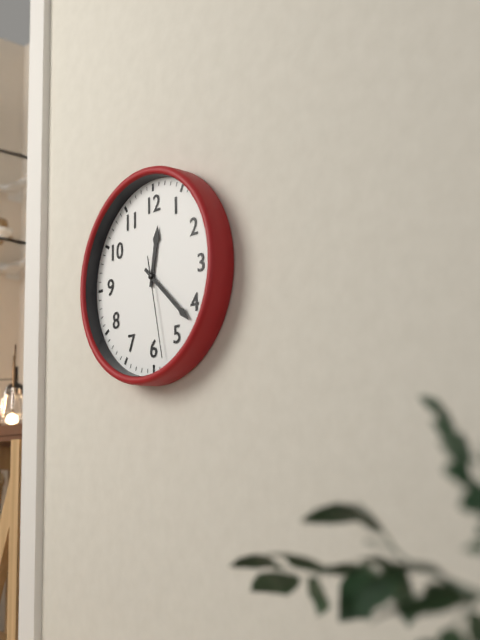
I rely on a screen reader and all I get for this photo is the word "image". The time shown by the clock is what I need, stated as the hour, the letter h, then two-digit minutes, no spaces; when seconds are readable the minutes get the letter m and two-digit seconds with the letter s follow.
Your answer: 12h22m28s
